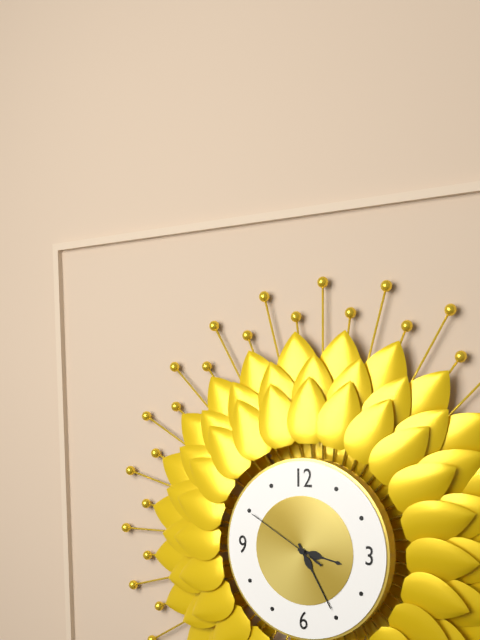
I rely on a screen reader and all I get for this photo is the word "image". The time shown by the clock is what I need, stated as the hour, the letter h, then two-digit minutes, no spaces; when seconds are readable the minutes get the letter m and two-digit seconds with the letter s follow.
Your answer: 3h25m50s
